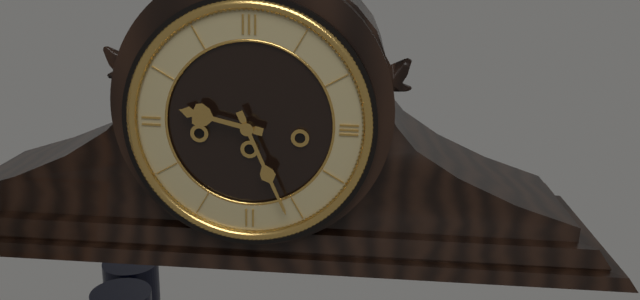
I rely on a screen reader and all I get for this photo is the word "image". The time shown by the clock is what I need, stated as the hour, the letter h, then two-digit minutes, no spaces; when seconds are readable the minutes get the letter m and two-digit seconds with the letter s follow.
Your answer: 9h26
